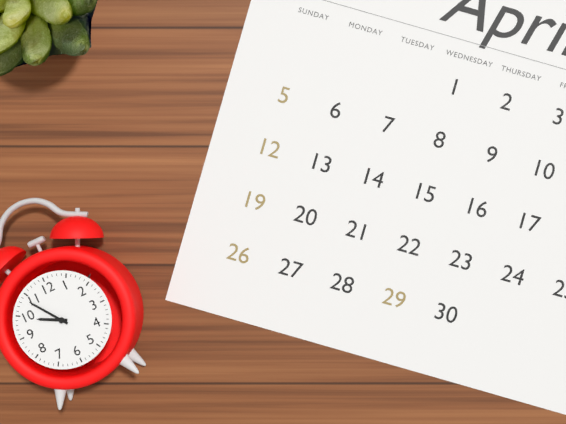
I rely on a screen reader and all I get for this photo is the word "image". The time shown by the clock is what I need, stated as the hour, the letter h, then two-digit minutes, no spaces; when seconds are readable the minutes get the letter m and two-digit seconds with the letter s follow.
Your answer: 9h54
